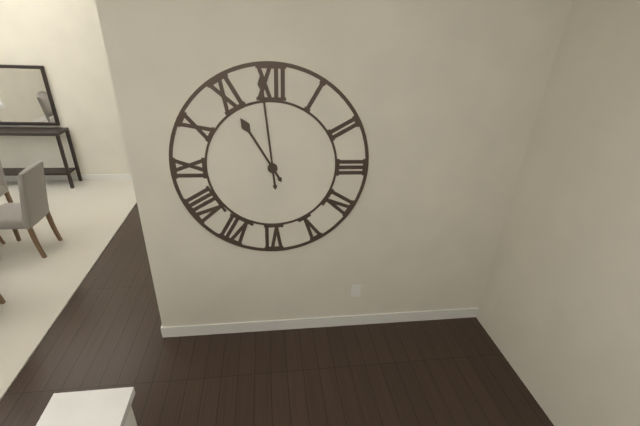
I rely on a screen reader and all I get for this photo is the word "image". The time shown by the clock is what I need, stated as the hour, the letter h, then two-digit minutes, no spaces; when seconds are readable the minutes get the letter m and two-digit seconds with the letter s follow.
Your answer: 10h59
